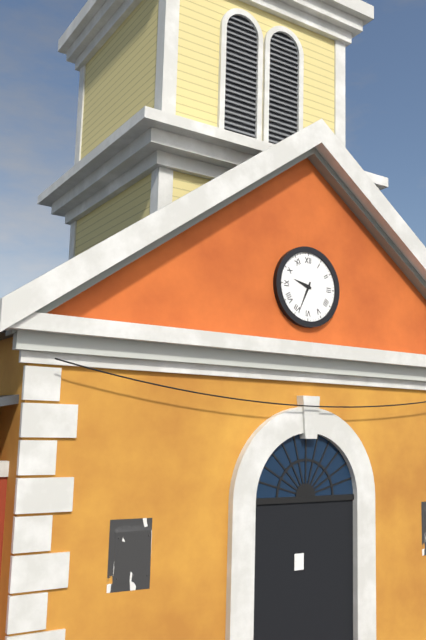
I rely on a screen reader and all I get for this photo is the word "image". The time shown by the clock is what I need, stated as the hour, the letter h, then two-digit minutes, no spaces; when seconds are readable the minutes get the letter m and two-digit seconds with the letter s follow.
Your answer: 9h34
